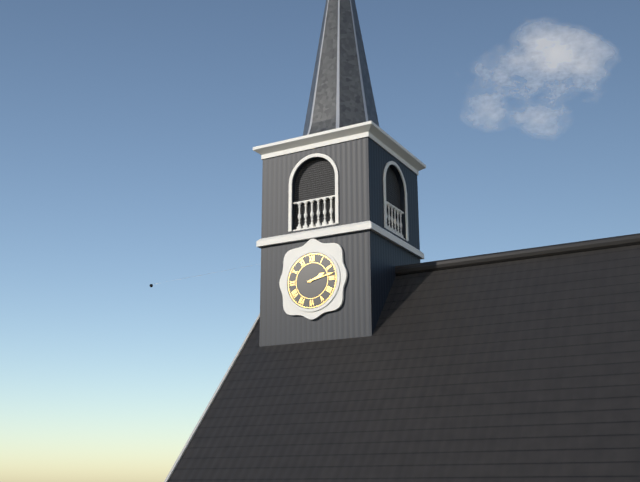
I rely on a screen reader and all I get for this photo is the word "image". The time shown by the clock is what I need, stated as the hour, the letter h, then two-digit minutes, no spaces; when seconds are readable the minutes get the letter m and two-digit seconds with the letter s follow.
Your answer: 2h13
